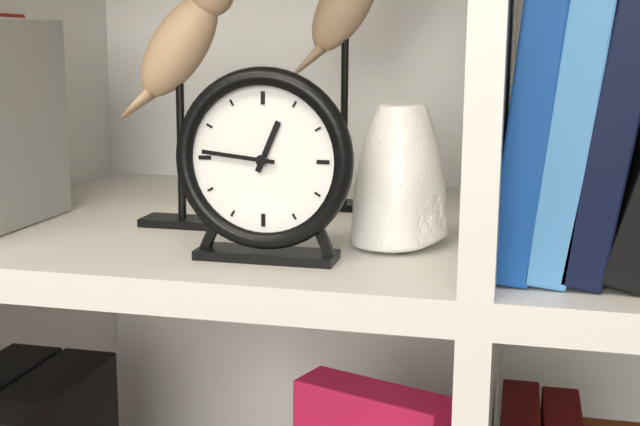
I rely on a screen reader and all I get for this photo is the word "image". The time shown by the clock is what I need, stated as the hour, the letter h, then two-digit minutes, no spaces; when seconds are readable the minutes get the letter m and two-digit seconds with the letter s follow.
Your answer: 12h46
